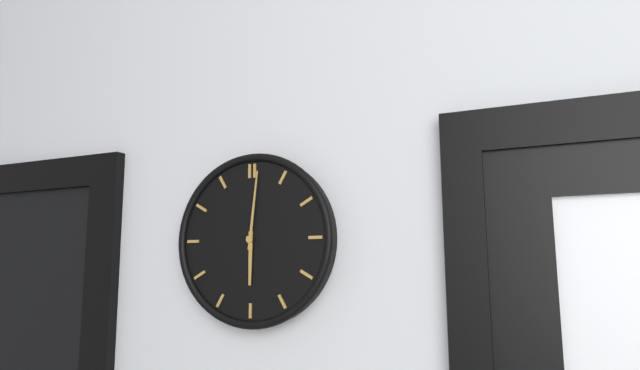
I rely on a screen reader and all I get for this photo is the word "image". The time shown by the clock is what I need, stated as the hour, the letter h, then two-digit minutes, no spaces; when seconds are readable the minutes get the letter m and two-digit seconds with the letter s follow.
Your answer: 6h01
